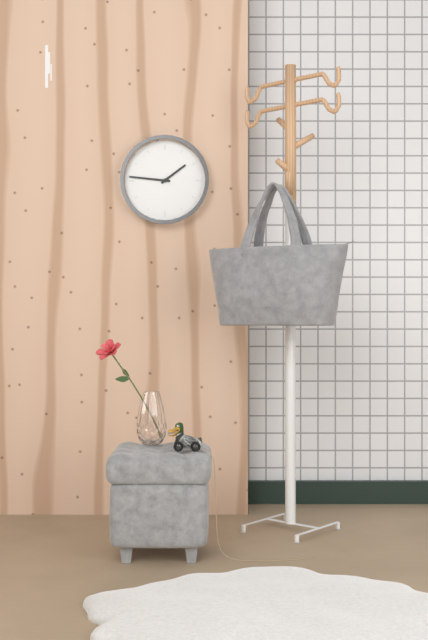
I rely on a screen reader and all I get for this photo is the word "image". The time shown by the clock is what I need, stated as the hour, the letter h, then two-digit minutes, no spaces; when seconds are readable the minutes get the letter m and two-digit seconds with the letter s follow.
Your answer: 1h46
